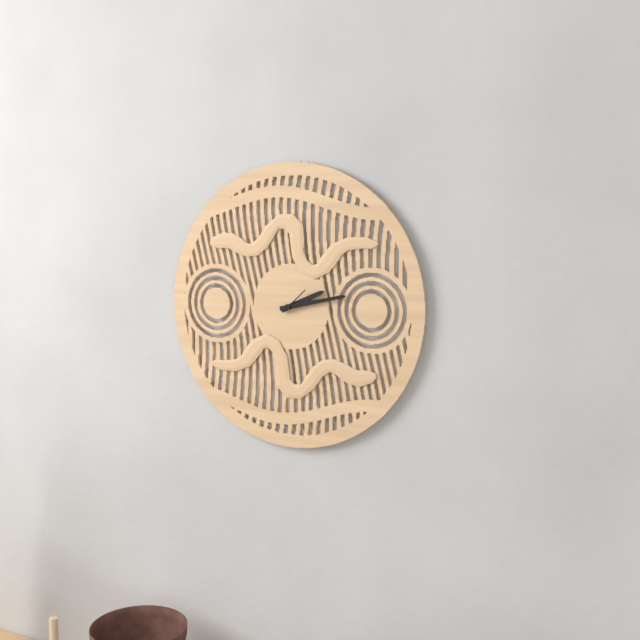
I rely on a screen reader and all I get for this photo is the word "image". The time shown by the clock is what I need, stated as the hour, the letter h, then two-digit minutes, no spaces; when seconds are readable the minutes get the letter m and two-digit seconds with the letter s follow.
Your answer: 2h13
